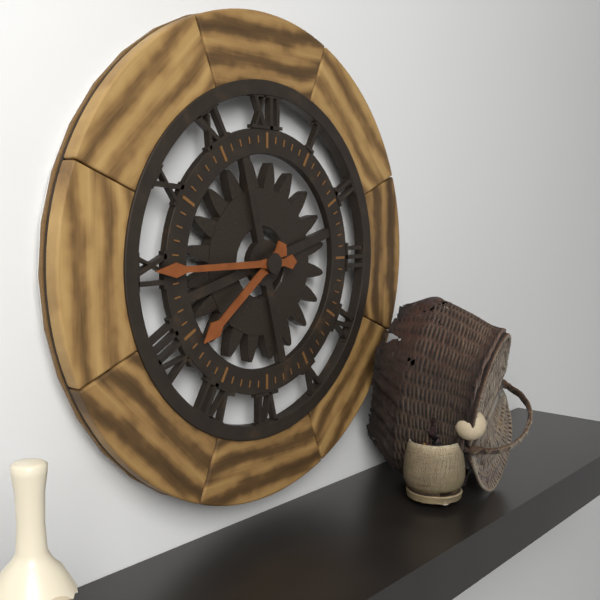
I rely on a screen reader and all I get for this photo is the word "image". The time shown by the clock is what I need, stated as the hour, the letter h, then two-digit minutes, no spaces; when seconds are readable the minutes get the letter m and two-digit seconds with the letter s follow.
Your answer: 7h45
